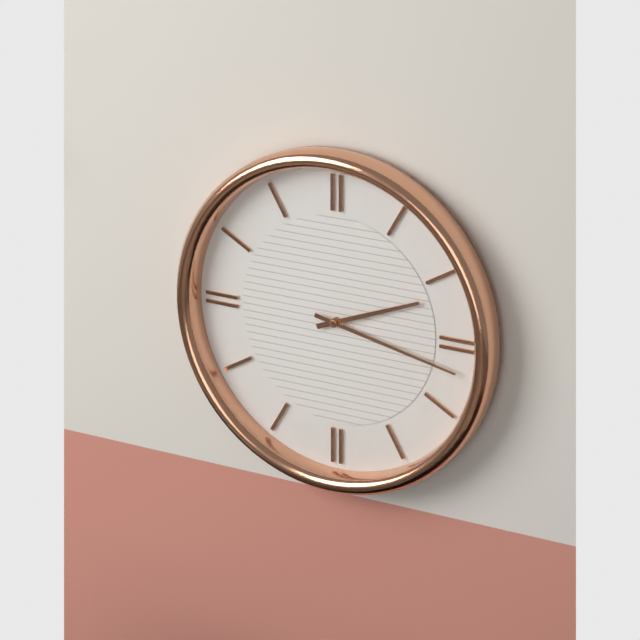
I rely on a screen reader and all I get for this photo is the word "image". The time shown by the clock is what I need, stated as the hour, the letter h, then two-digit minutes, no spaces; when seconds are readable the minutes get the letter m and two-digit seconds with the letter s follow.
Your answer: 2h17
